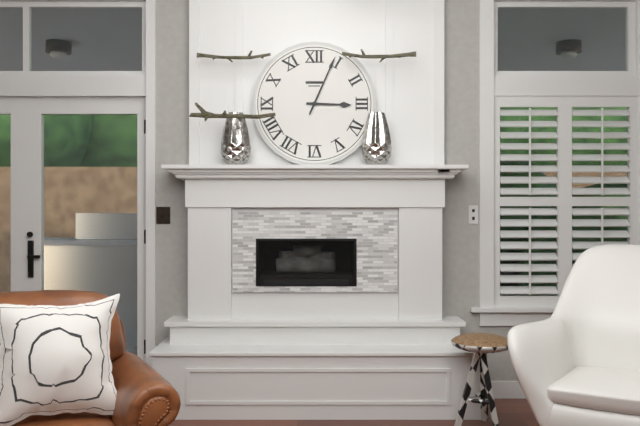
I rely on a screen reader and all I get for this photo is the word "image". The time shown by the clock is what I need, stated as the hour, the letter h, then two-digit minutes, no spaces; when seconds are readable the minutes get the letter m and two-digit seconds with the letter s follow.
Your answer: 3h04
